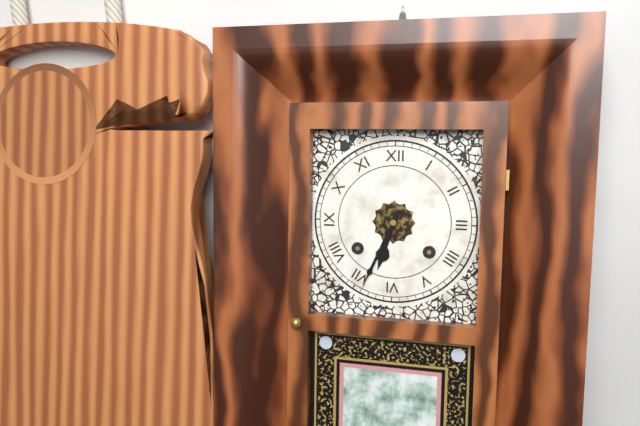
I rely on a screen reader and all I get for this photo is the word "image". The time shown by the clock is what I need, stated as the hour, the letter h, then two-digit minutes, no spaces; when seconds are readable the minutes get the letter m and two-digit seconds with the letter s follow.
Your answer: 6h34
